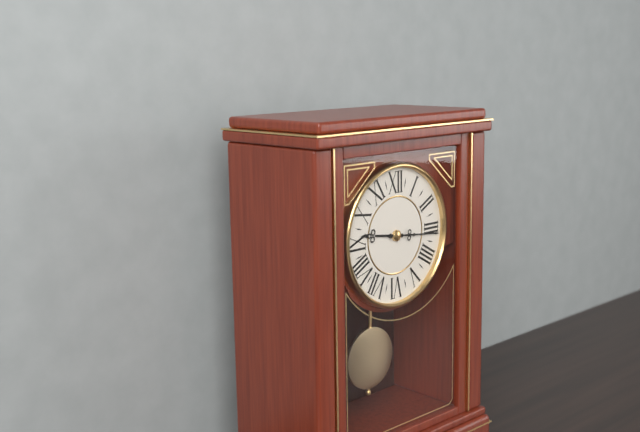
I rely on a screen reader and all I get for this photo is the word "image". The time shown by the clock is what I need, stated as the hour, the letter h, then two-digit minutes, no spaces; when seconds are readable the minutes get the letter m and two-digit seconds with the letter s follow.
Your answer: 9h16
